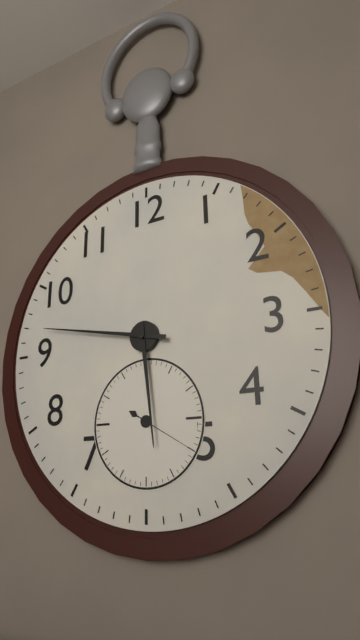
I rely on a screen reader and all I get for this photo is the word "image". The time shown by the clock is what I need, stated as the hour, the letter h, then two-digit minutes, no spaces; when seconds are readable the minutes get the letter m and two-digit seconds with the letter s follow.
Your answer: 5h47m20s
